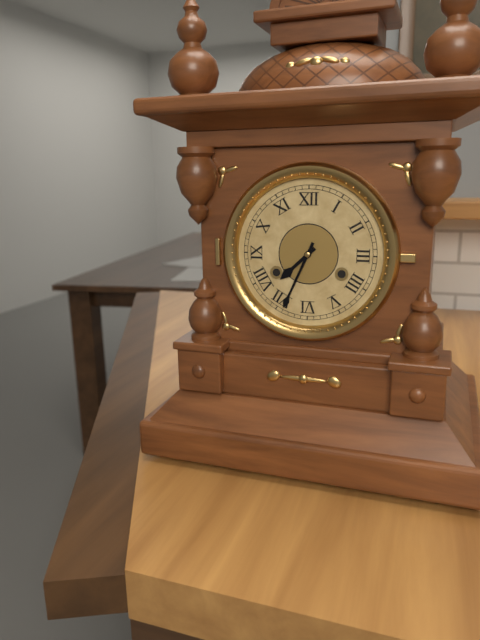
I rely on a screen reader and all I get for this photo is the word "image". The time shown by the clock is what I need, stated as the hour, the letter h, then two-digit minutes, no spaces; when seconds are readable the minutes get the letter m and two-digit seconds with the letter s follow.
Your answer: 7h34
